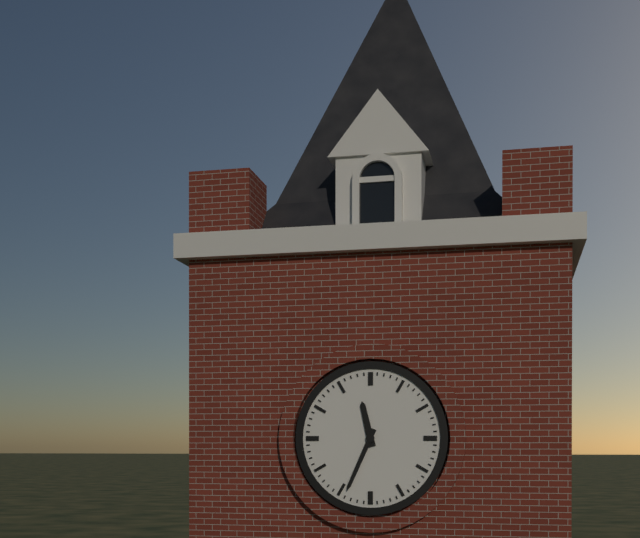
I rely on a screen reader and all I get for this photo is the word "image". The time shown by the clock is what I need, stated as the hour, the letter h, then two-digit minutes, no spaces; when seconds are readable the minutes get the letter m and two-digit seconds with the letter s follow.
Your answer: 11h34
